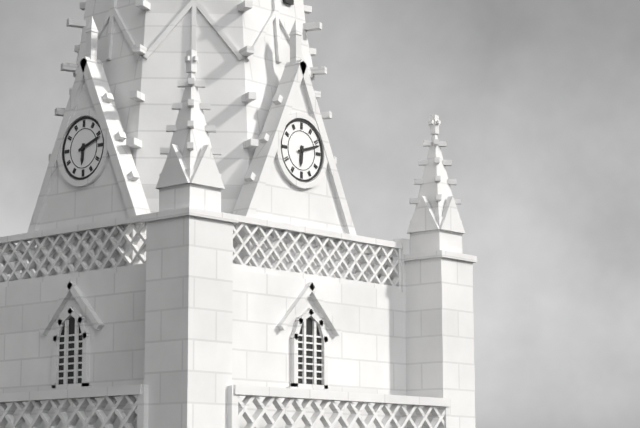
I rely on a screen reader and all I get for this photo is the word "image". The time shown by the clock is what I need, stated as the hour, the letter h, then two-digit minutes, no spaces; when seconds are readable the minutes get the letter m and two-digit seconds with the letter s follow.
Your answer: 6h12
